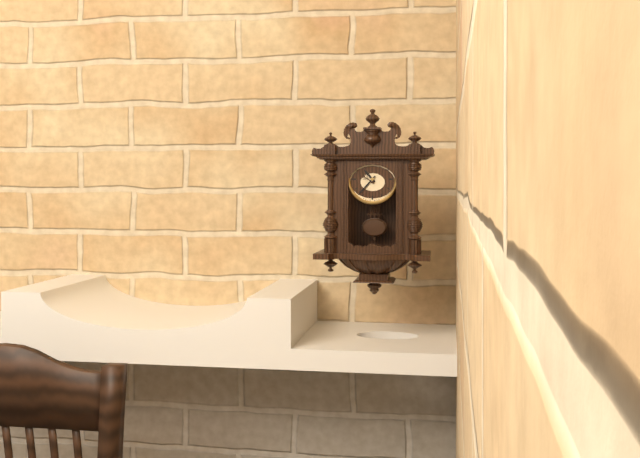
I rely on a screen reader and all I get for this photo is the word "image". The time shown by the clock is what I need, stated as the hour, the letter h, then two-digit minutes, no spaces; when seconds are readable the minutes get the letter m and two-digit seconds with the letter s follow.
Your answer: 10h37
